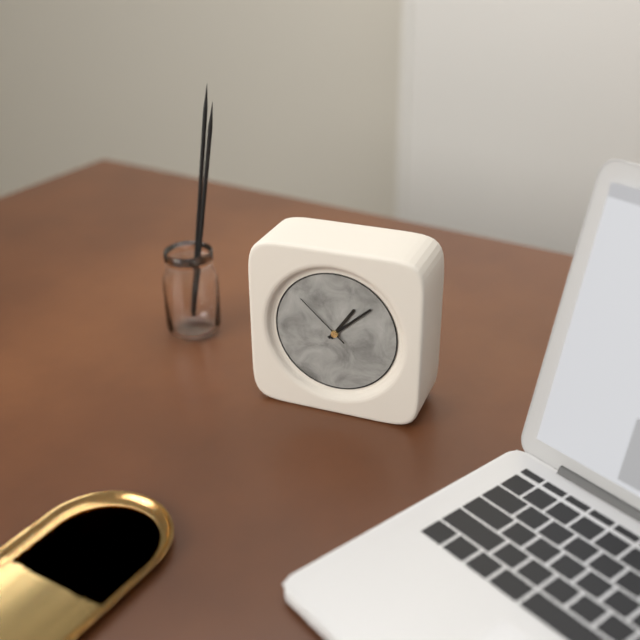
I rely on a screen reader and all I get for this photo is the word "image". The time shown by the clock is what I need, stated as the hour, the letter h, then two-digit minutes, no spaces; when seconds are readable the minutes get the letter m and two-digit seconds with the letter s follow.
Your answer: 1h08m52s
